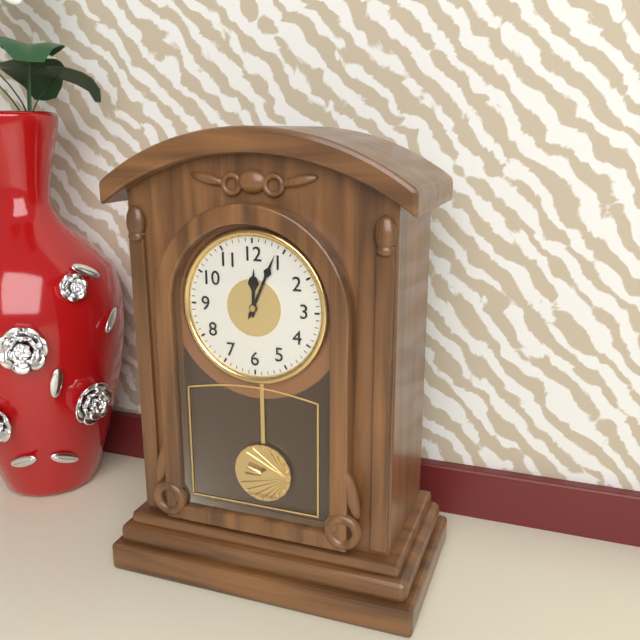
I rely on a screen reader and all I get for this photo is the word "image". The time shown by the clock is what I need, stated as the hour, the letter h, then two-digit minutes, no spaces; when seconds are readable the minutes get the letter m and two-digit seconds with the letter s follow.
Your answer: 12h04
